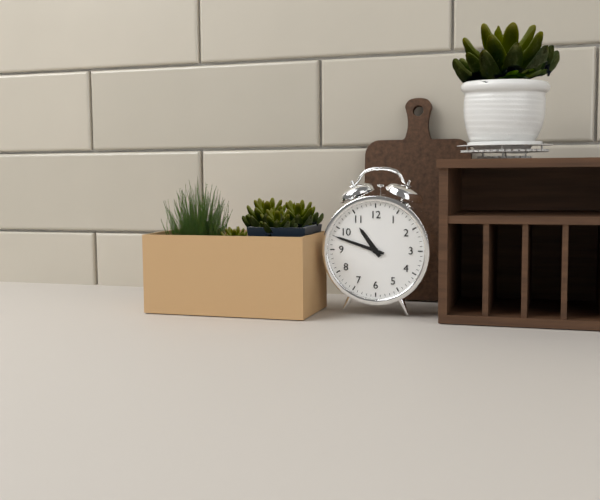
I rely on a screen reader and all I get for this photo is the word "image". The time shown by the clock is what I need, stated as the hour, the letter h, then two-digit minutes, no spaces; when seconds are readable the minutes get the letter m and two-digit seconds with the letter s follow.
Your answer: 10h48
